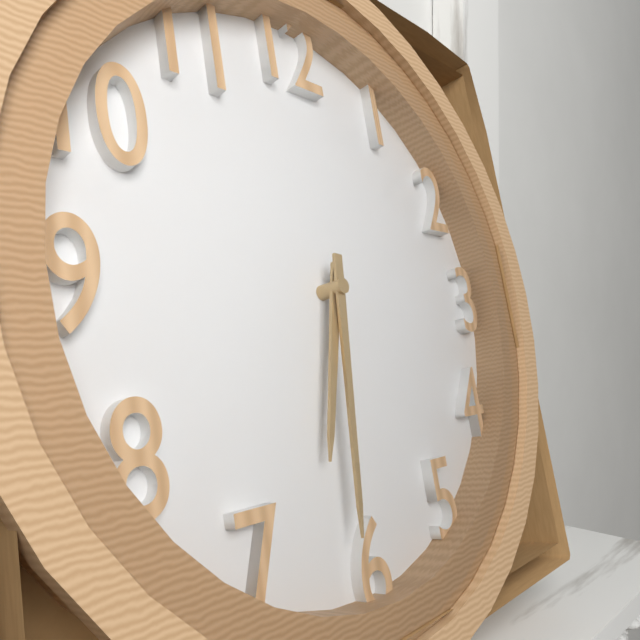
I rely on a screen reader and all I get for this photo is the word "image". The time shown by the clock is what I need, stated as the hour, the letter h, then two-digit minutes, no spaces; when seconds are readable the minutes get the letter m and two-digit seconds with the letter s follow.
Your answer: 6h31
